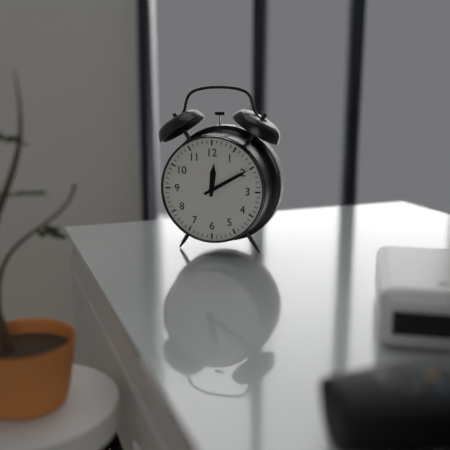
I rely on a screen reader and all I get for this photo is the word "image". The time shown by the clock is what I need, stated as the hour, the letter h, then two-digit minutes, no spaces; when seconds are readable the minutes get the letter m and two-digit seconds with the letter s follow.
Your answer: 12h10
